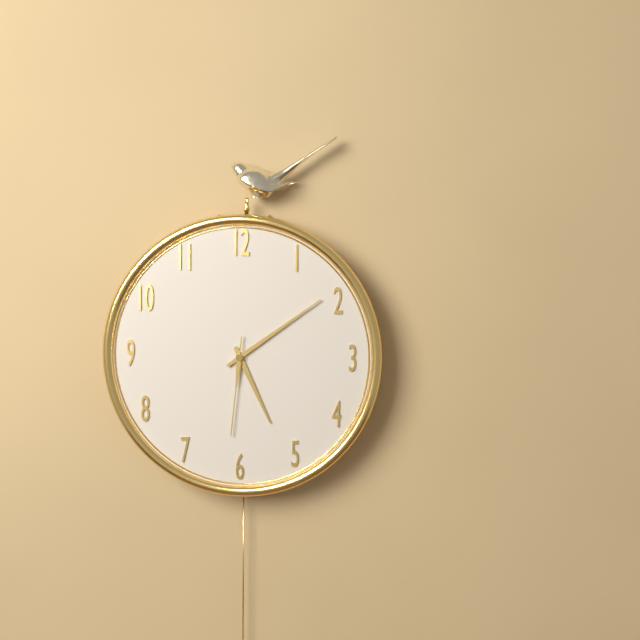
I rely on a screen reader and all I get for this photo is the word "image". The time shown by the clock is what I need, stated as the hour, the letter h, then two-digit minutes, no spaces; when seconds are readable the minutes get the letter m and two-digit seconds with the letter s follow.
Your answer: 5h09m31s
